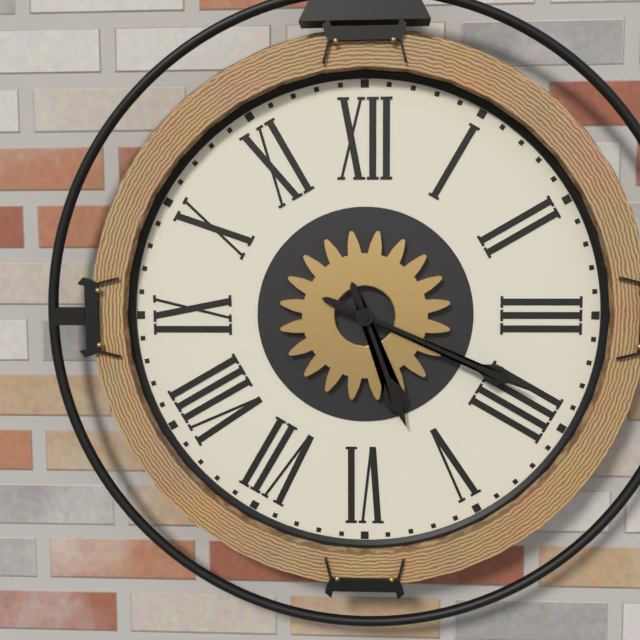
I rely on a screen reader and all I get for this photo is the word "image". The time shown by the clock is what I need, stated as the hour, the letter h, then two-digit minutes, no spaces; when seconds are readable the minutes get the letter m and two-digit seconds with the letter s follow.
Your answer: 5h19
